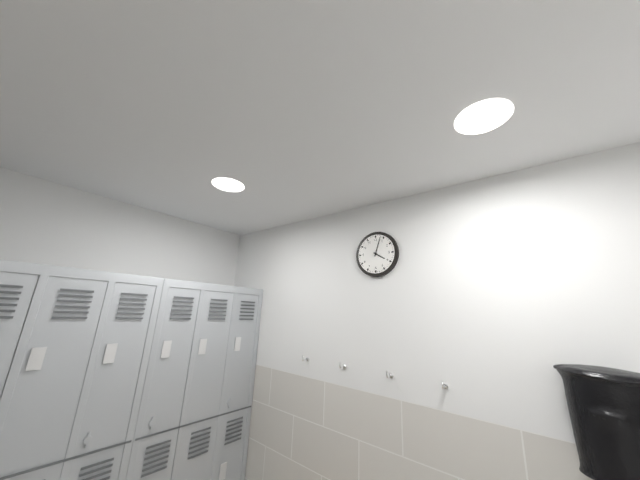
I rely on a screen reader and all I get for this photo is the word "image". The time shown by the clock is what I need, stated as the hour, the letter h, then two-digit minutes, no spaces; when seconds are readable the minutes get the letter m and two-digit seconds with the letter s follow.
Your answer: 4h03
